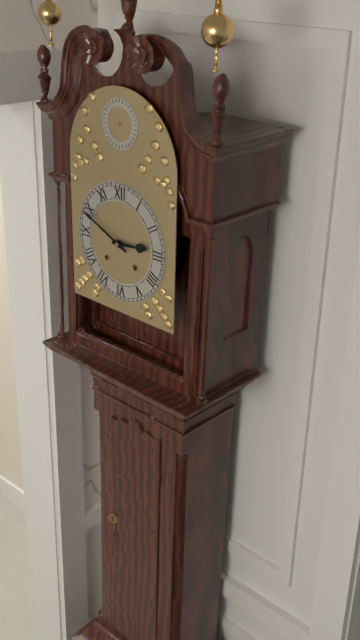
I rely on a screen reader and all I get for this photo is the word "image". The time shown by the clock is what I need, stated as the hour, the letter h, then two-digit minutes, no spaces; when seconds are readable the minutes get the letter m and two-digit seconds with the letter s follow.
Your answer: 2h49
